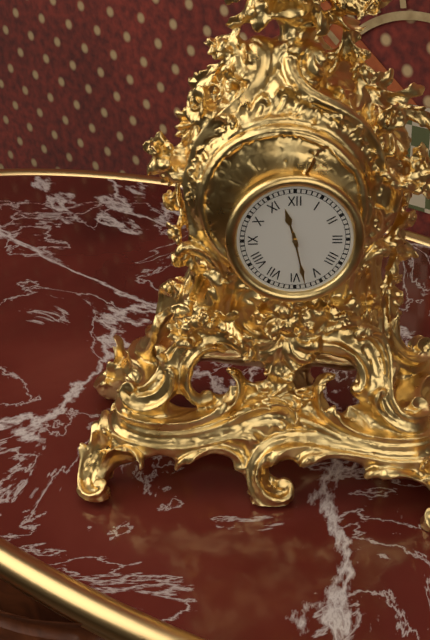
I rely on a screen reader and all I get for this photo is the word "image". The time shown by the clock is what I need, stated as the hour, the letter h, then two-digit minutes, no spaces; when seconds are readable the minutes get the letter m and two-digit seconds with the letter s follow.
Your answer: 11h28
